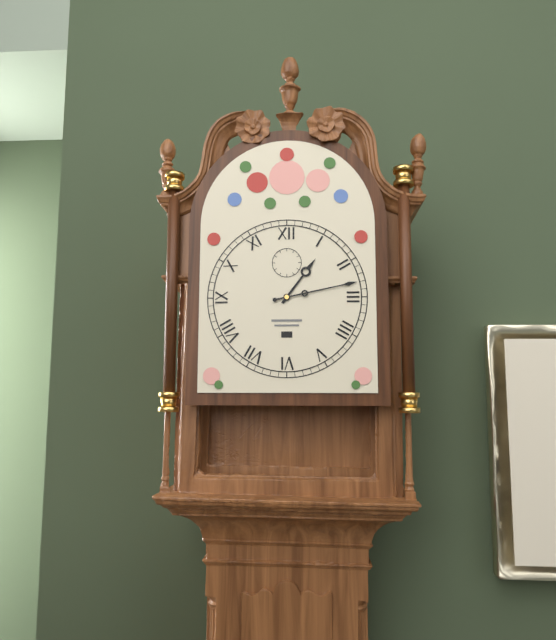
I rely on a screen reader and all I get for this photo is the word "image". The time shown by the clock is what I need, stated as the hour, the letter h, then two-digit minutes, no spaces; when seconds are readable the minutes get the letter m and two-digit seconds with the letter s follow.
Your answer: 1h13
